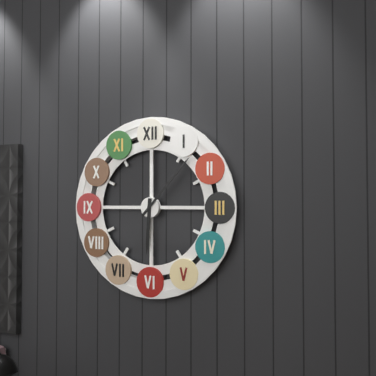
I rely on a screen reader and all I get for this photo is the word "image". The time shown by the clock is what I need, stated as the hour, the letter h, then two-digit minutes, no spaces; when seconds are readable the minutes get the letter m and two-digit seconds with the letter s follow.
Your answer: 6h07
